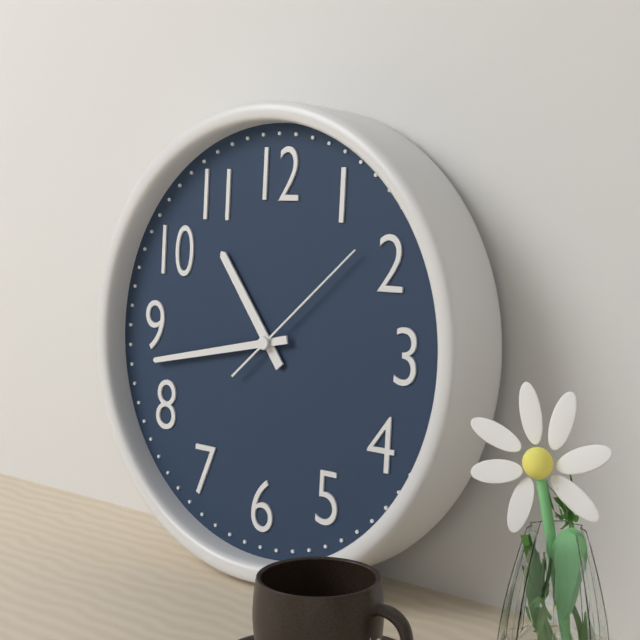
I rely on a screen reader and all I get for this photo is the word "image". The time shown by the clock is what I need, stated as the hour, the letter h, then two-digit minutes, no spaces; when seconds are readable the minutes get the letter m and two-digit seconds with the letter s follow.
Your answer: 10h43m08s
